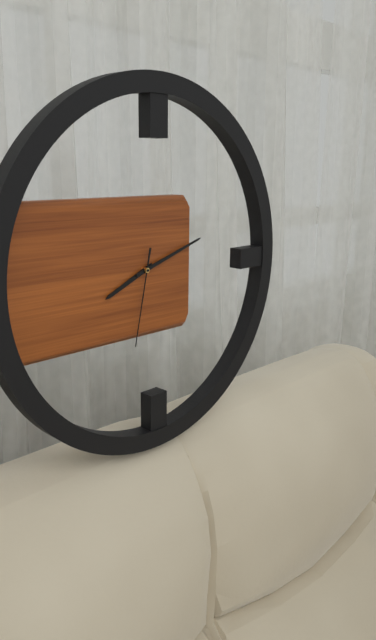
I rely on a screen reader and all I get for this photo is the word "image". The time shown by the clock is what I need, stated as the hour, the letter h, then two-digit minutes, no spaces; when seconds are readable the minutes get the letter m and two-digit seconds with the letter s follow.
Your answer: 8h12m32s
